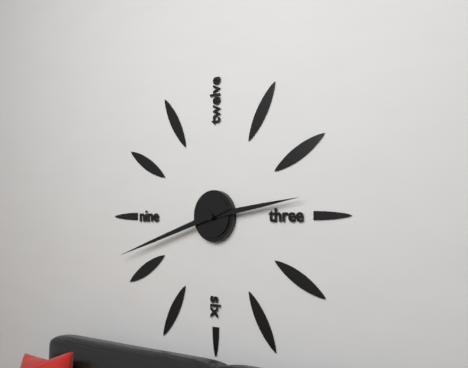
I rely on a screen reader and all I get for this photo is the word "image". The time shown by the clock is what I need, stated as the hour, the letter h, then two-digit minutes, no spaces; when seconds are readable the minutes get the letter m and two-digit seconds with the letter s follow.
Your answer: 2h42
